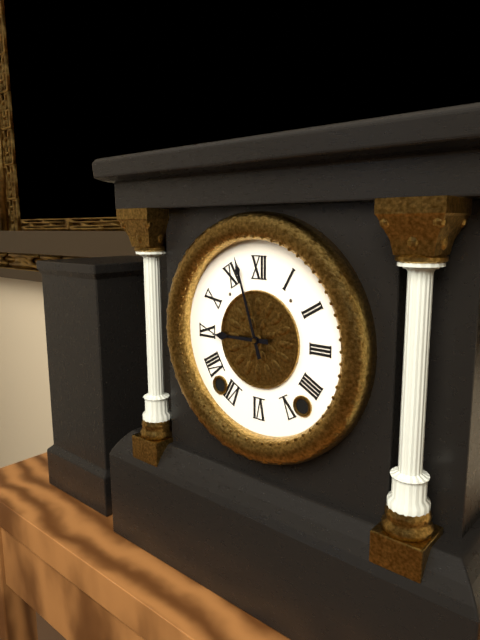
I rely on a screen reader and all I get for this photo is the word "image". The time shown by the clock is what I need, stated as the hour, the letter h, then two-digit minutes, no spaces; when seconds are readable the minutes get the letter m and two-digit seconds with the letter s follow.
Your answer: 8h57
